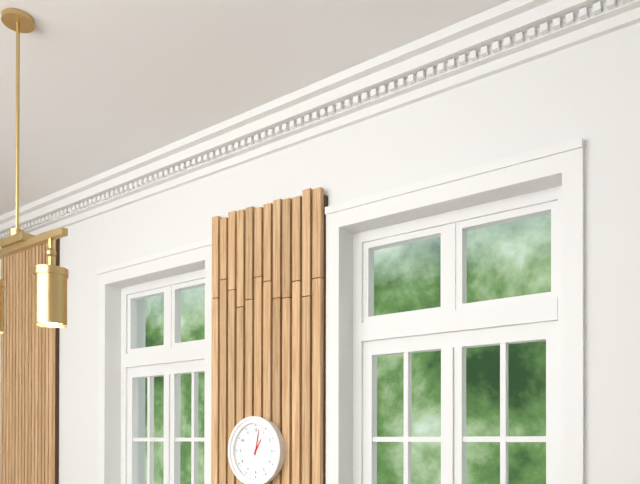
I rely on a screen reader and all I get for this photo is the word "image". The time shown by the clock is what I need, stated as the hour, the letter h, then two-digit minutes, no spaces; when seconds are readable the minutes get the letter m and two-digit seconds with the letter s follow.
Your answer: 1h02
